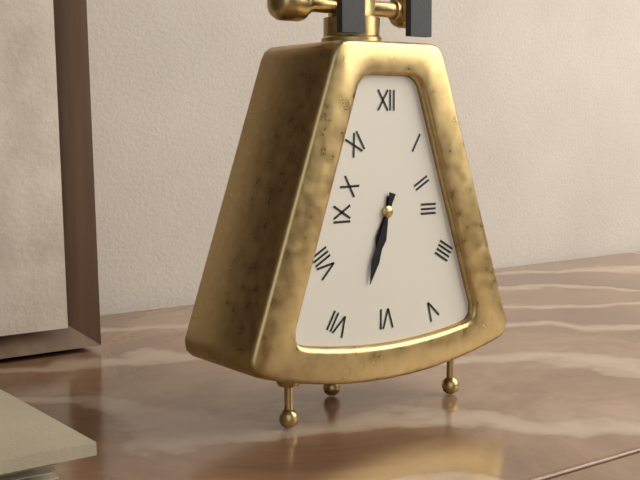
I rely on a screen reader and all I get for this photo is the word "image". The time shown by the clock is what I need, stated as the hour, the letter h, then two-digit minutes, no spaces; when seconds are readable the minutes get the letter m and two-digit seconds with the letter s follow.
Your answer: 6h33
